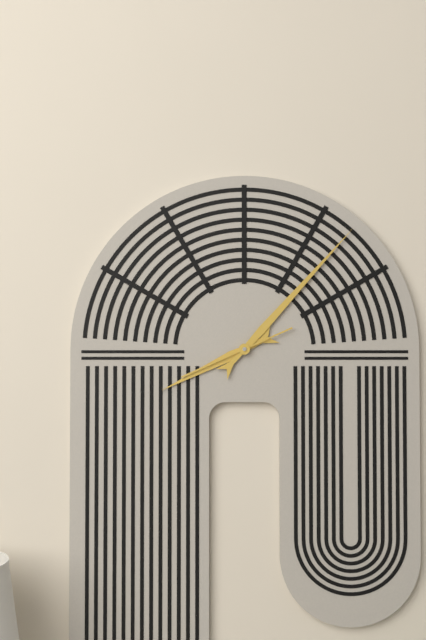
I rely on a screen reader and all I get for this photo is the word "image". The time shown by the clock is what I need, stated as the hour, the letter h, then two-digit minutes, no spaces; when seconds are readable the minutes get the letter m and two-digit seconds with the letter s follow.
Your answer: 8h07m41s
